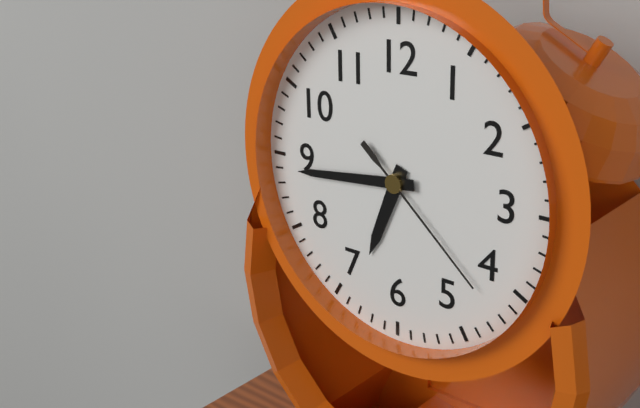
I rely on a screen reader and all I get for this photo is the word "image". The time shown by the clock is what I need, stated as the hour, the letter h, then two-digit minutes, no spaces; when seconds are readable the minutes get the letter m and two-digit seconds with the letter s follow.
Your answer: 6h44m22s
